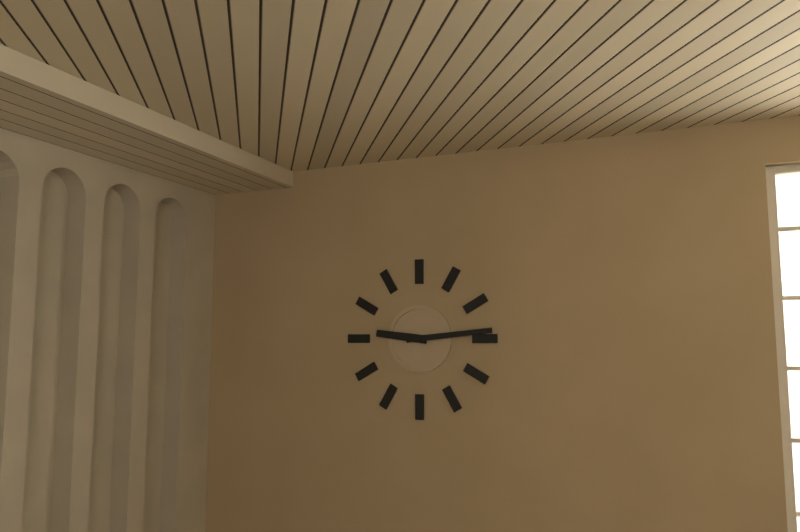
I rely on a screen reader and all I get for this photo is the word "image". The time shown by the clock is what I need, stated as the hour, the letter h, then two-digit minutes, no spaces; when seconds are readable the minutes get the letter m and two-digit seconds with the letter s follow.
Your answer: 9h14
